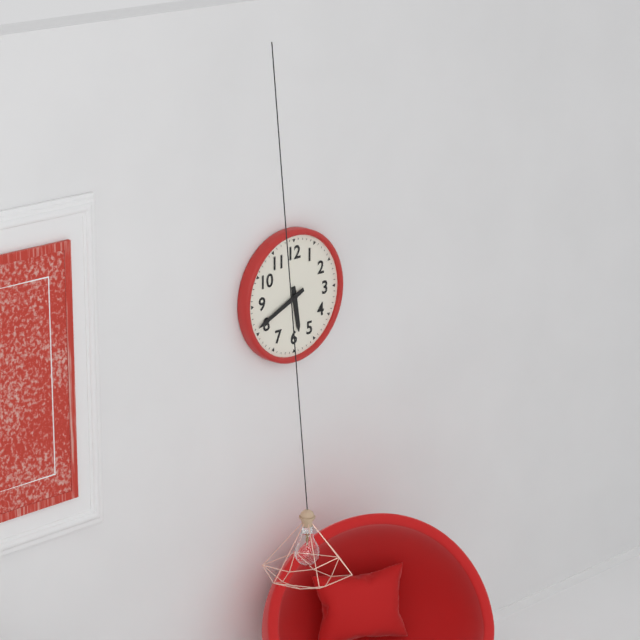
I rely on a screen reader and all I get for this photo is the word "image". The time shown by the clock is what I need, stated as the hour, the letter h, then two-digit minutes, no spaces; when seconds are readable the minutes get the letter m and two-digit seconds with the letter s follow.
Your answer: 5h41
